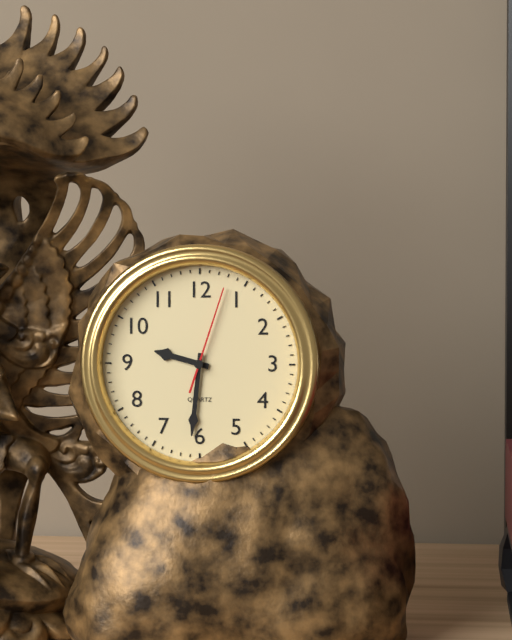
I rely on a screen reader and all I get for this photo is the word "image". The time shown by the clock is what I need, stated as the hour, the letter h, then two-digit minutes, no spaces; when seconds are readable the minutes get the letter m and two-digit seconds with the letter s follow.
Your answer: 9h31m03s
